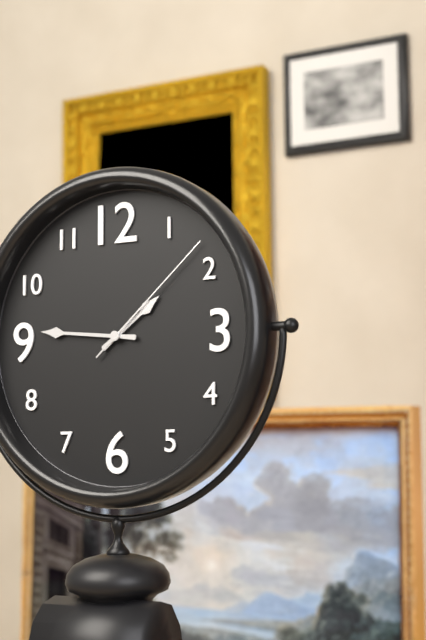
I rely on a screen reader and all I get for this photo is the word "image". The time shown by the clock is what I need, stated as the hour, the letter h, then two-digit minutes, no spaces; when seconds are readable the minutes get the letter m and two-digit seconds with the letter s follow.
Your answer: 1h46m08s
